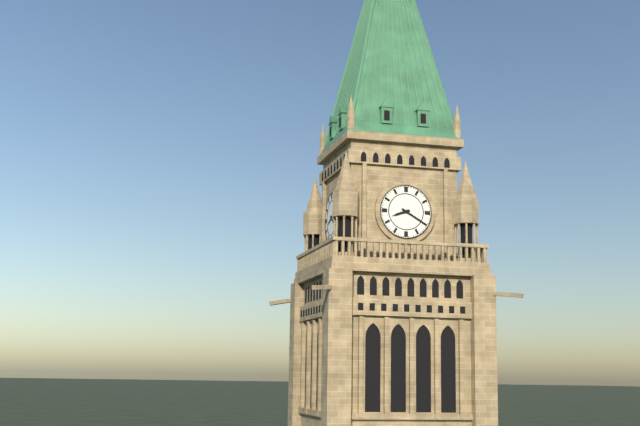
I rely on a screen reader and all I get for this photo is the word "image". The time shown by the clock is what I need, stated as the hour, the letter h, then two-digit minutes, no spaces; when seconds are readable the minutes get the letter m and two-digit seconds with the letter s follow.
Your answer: 8h20
